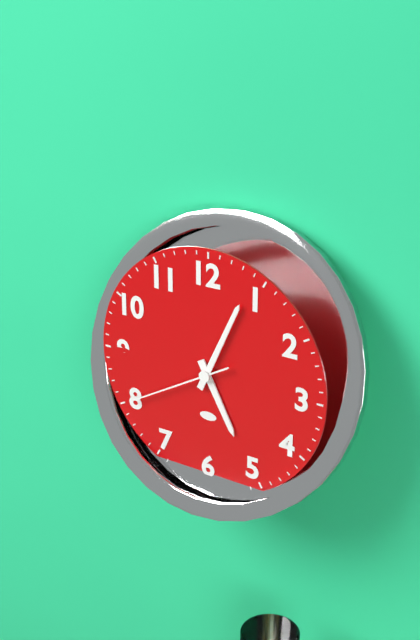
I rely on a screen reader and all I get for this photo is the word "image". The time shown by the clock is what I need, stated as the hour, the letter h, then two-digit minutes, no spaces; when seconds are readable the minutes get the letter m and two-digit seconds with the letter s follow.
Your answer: 5h04m40s
